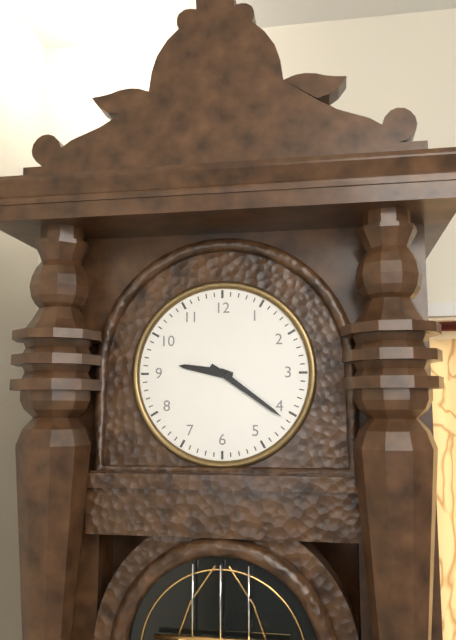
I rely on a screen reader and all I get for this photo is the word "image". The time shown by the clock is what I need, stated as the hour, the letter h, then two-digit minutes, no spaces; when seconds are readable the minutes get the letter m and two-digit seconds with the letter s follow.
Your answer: 9h21
